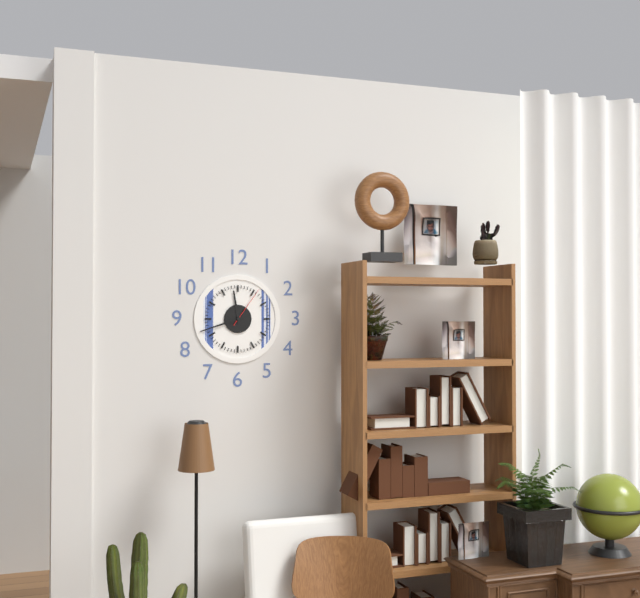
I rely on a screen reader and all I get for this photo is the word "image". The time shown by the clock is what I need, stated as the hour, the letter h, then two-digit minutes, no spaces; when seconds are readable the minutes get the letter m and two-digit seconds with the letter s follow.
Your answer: 11h42
